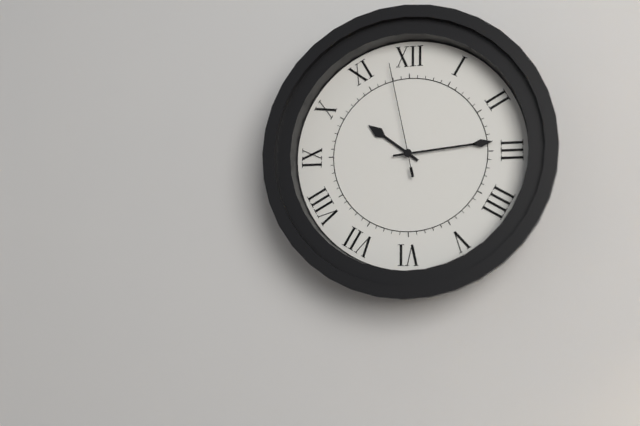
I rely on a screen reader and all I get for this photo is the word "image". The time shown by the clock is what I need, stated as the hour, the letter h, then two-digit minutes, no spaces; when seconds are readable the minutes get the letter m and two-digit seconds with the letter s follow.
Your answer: 10h14m58s
